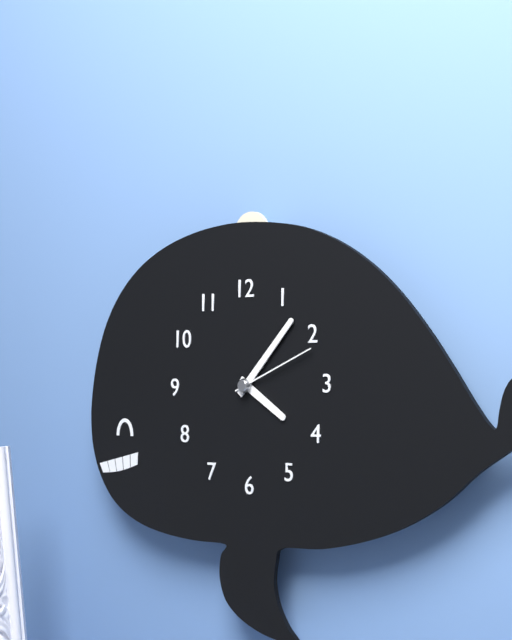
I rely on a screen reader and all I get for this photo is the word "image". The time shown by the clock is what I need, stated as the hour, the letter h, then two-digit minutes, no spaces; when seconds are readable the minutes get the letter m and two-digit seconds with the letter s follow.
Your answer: 4h07m11s
